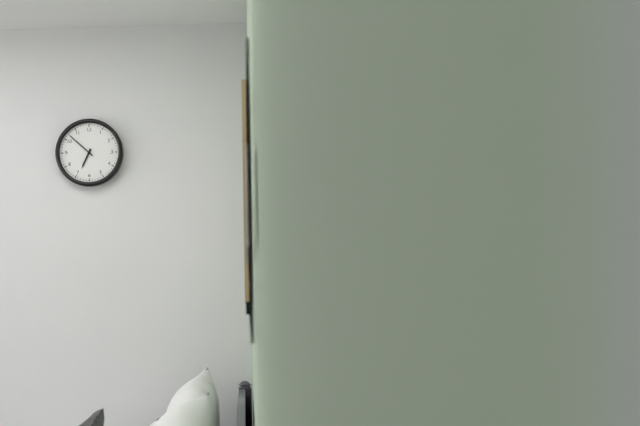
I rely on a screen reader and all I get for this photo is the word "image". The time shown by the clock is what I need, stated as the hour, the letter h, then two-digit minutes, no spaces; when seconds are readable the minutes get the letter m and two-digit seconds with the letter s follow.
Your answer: 6h52
